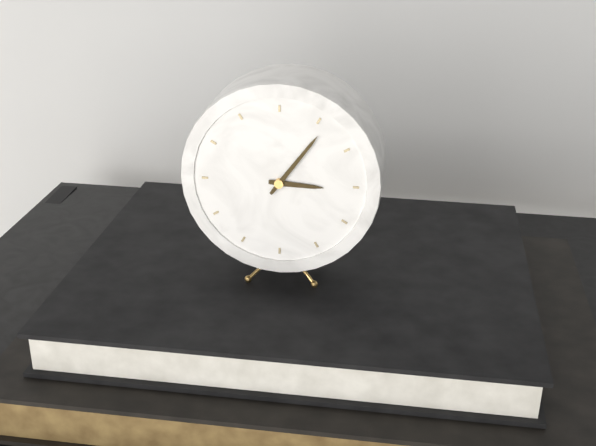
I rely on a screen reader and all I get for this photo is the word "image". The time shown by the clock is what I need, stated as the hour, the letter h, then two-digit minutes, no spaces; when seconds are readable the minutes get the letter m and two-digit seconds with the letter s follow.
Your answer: 3h06
